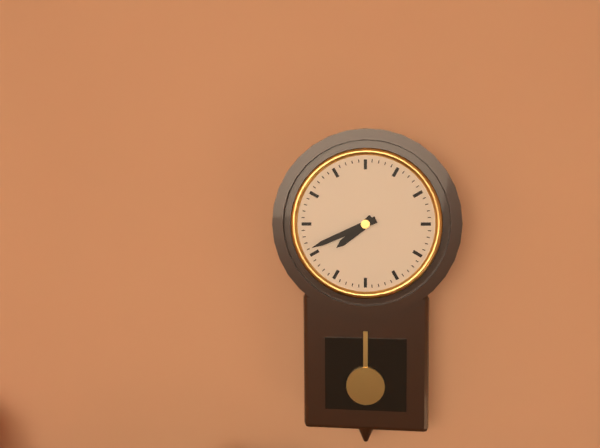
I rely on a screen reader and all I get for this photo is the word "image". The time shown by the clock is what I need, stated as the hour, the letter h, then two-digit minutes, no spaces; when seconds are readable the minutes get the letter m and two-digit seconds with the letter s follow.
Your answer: 7h41
